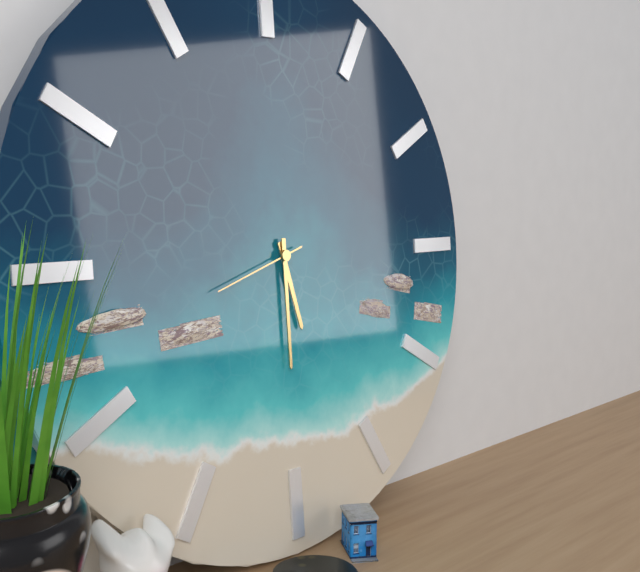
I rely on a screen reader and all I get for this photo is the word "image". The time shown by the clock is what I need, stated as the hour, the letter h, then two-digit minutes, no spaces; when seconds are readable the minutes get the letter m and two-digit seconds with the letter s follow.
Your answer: 5h30m42s
